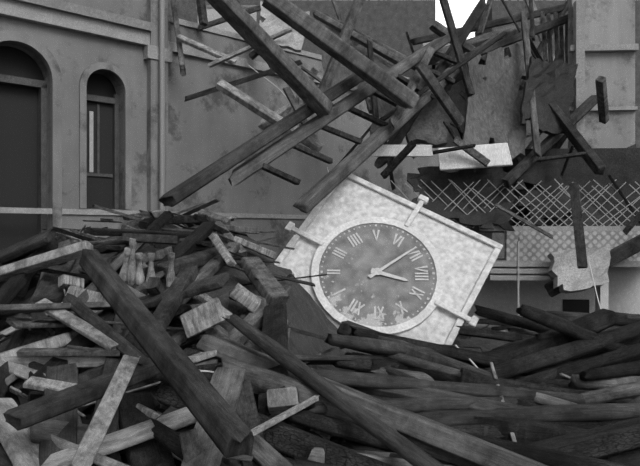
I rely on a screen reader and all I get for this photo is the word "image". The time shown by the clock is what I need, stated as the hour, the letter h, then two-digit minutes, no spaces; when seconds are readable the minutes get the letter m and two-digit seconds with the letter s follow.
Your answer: 8h34
